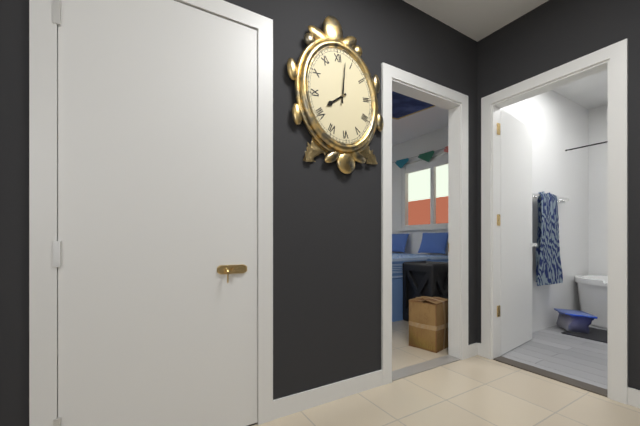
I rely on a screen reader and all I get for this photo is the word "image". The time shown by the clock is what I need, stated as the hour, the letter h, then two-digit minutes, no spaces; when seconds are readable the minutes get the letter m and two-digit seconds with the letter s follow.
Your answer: 8h02
